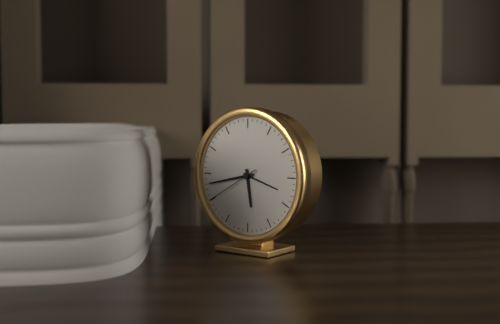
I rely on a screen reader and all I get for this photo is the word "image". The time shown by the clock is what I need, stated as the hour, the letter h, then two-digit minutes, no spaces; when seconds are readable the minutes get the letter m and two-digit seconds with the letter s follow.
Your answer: 5h43m40s
